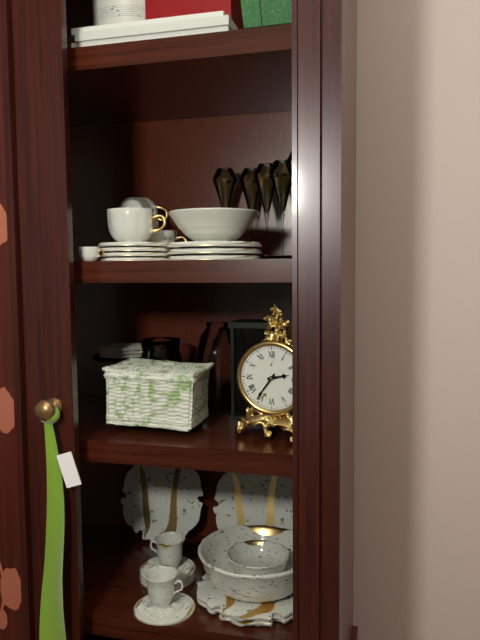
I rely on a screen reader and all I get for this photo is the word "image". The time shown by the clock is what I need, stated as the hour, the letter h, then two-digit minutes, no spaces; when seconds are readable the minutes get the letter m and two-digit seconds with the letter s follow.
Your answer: 2h36
